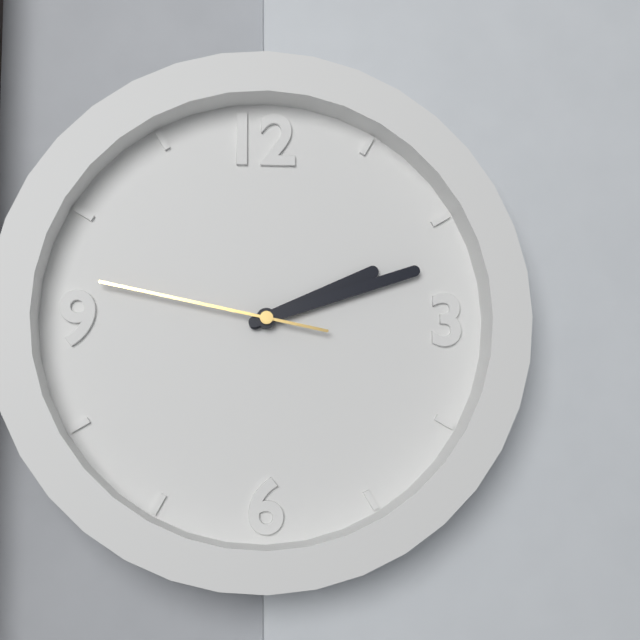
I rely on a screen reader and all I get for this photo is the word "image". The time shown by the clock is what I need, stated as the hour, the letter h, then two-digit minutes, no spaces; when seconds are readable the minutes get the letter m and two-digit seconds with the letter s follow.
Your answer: 2h12m47s
